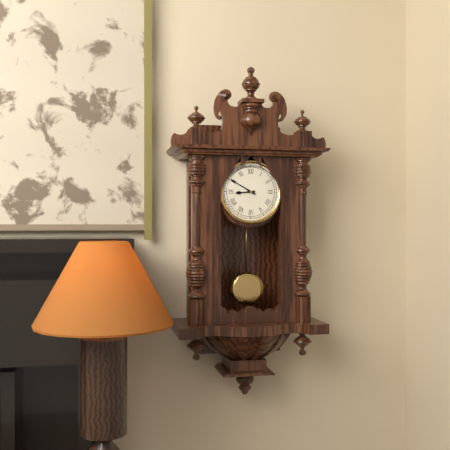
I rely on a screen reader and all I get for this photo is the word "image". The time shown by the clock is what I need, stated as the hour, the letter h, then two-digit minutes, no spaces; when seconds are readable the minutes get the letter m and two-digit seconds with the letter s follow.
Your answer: 8h50
